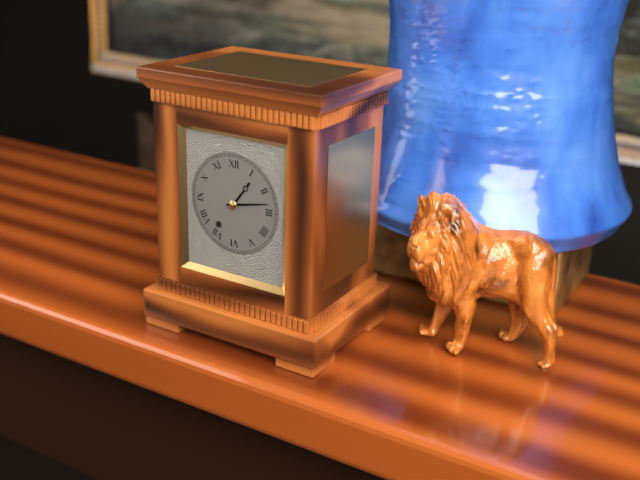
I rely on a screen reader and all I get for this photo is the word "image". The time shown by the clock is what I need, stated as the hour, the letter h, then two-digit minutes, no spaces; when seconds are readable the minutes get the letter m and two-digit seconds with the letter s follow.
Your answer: 1h13
